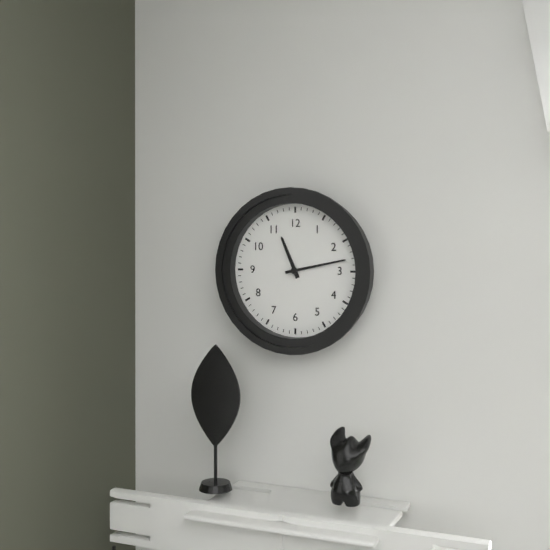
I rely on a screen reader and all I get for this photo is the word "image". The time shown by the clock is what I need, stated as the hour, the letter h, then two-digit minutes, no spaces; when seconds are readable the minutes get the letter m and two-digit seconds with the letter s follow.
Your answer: 11h13
